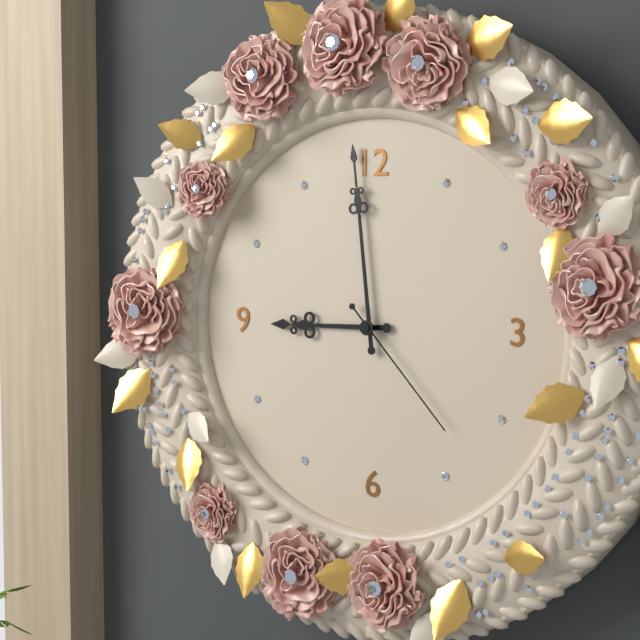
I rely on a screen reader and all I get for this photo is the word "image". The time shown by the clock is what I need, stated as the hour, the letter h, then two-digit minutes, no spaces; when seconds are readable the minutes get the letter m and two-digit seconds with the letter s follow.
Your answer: 8h59m23s
